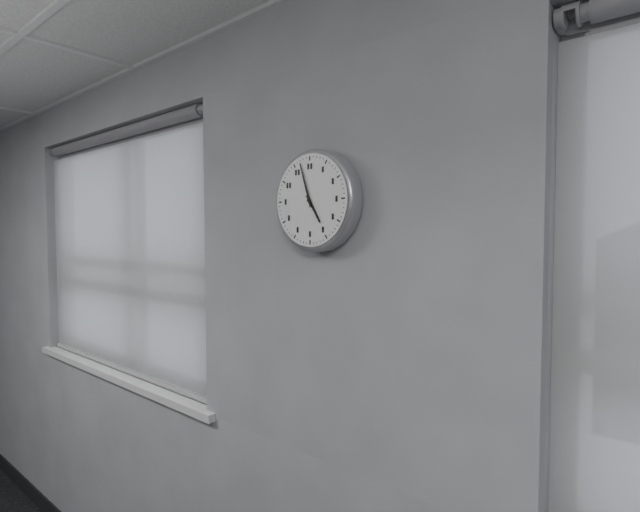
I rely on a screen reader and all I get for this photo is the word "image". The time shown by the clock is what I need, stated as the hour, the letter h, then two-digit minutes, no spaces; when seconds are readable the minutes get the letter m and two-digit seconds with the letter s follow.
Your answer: 4h57
